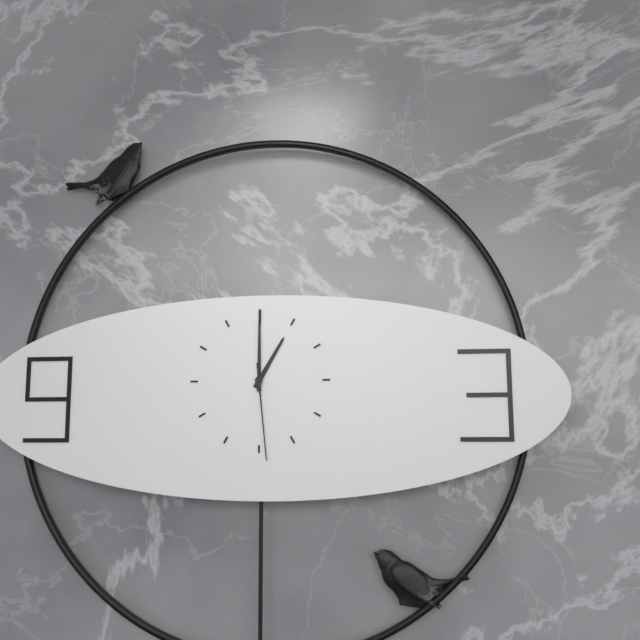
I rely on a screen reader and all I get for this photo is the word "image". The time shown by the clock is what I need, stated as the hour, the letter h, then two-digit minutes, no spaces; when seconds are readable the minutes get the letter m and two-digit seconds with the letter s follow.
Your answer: 1h00m29s
